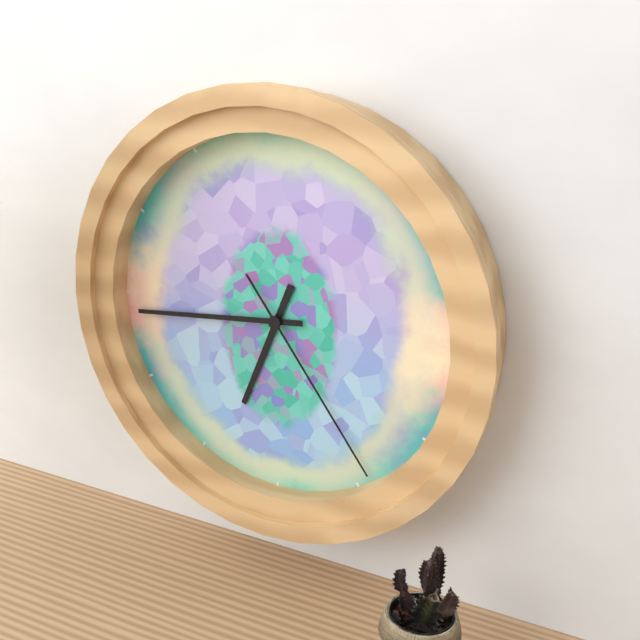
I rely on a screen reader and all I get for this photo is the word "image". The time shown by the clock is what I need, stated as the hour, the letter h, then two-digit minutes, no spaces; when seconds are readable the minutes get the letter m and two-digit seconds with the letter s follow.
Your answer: 6h44m24s
